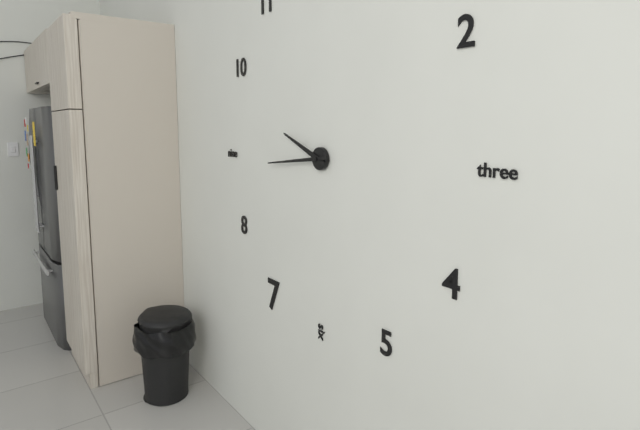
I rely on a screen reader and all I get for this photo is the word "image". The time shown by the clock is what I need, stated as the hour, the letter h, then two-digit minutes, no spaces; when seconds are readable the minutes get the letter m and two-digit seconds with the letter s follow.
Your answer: 9h44
